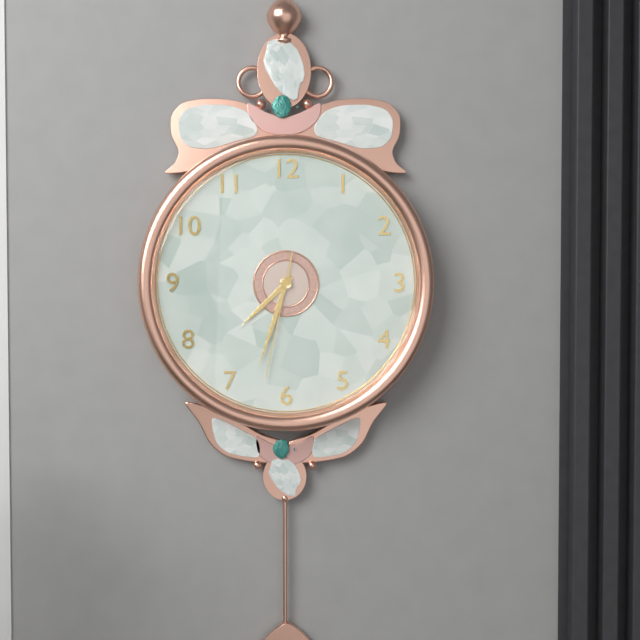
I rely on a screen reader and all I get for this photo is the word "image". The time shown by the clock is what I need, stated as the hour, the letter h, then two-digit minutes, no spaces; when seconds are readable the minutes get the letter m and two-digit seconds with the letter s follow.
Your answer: 7h33m32s
